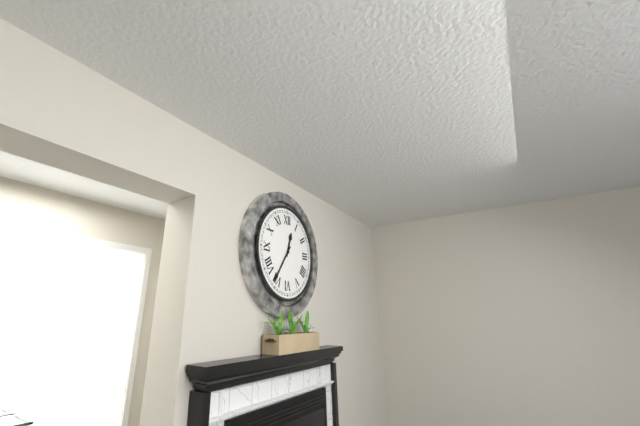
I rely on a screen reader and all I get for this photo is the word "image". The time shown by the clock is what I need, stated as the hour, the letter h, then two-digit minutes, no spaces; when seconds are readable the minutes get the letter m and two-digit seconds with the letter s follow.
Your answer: 12h36
